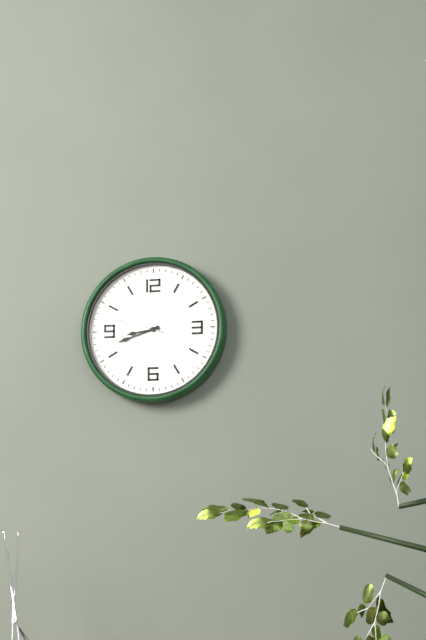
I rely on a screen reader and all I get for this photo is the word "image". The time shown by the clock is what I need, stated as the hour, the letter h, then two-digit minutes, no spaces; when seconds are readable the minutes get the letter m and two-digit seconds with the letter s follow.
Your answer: 8h42m48s
